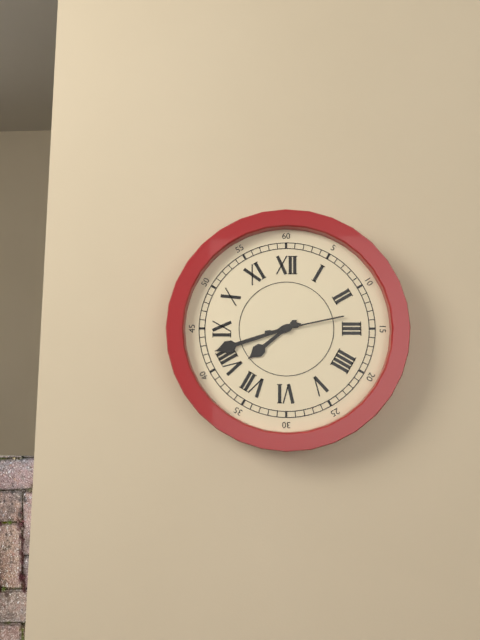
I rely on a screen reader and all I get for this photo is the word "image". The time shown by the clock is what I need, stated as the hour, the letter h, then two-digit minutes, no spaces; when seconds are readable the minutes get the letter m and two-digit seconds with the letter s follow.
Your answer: 7h42m13s
